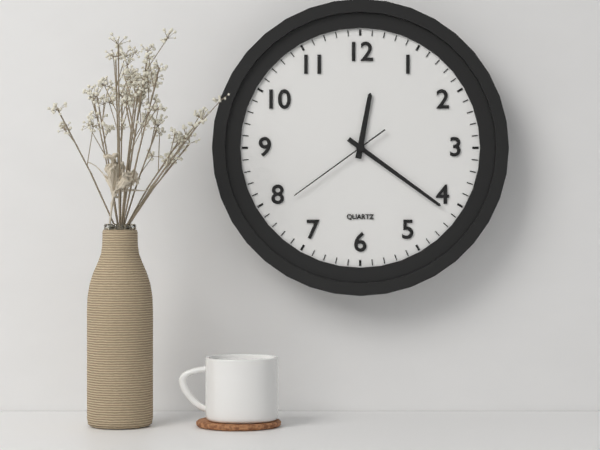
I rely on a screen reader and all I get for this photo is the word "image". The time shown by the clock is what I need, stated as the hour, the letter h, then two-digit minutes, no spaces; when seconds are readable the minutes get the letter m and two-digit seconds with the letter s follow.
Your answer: 12h21m39s
